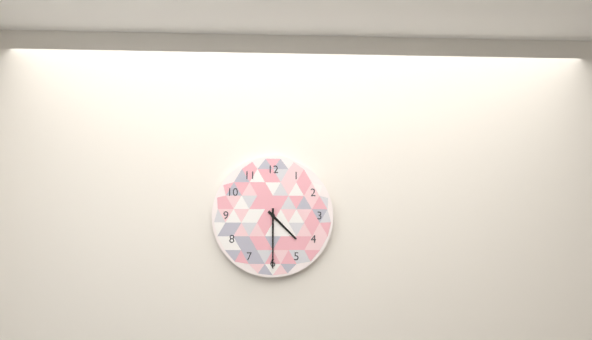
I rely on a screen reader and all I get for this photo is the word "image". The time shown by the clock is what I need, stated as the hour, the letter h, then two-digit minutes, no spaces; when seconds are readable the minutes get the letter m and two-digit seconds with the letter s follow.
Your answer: 4h30
